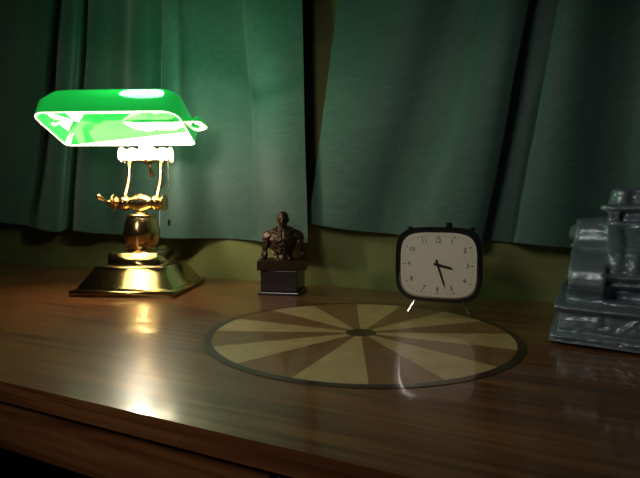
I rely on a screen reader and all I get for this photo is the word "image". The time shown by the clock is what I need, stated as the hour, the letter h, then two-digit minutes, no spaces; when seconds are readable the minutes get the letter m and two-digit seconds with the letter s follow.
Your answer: 3h27
